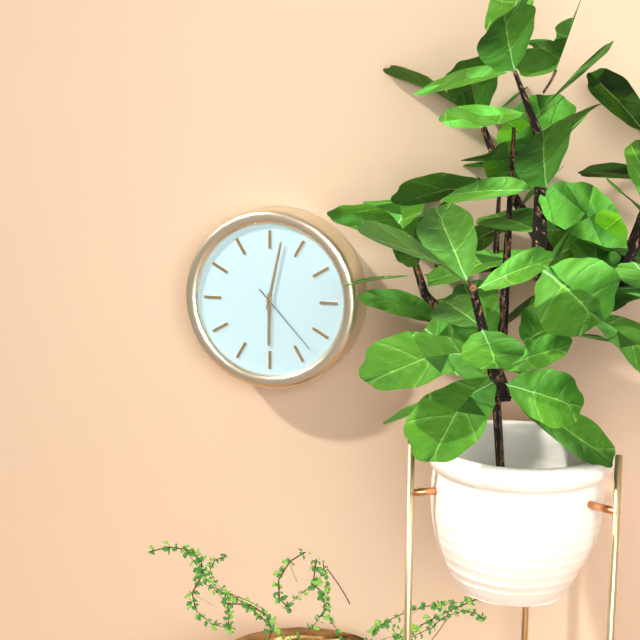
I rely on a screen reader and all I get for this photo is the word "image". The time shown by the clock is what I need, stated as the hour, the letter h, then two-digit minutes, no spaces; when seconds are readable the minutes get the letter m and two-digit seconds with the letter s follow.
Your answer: 6h02m23s
